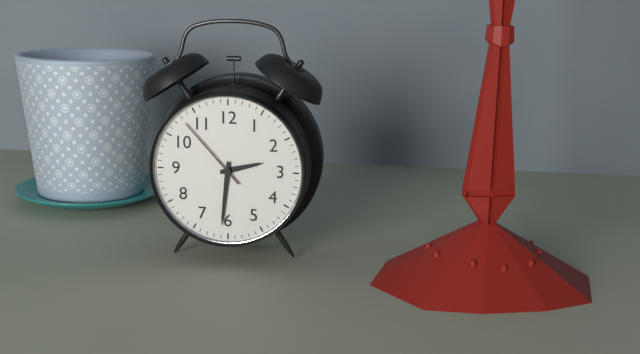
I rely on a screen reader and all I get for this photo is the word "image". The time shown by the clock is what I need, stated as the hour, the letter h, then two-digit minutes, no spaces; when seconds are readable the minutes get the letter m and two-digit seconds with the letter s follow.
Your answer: 2h31m53s
